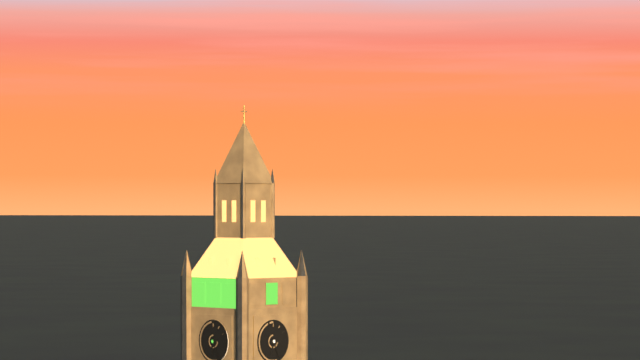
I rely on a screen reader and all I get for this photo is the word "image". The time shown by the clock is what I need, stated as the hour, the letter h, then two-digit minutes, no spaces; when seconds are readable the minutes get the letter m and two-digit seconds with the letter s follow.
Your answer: 6h26
